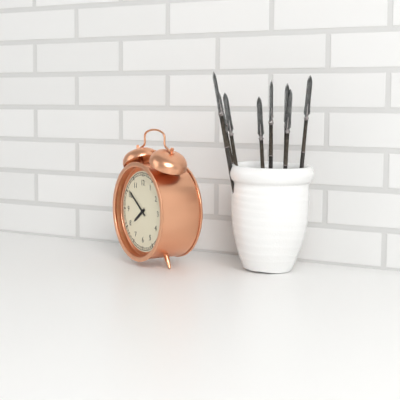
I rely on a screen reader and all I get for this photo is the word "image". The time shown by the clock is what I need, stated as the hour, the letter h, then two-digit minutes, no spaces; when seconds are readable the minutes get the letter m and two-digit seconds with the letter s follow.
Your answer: 7h51
